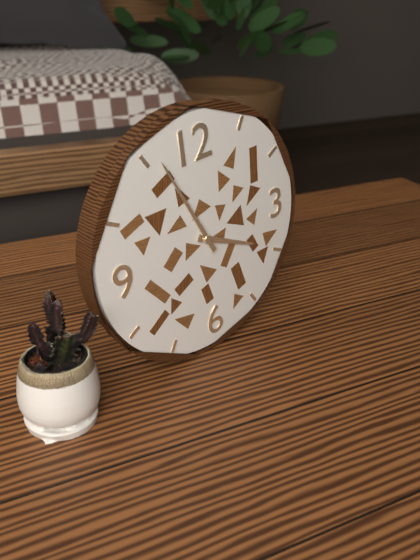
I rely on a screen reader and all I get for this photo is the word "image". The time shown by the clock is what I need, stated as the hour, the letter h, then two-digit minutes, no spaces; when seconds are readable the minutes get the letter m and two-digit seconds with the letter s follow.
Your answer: 3h56
